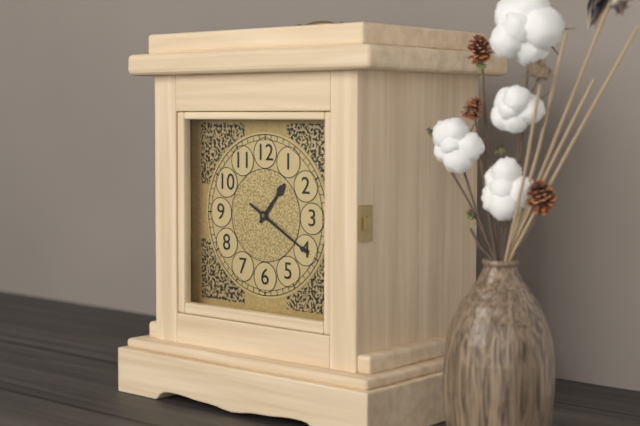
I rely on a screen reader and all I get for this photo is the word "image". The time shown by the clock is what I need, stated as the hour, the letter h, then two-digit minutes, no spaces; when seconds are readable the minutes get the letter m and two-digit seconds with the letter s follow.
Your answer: 1h20
